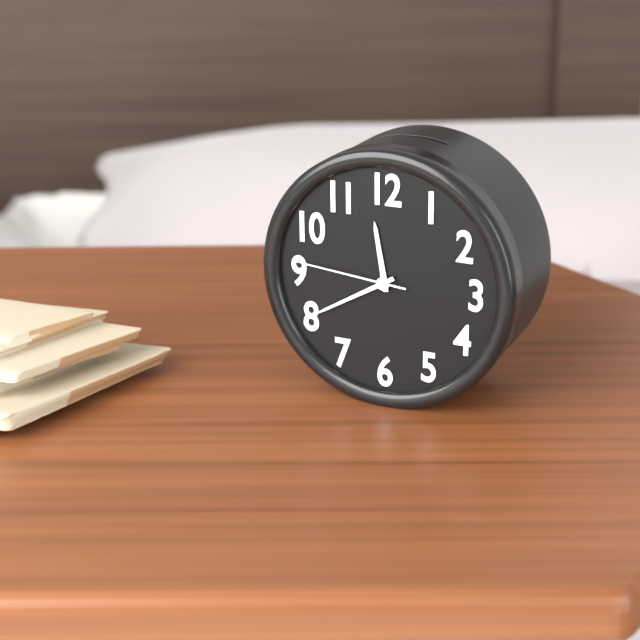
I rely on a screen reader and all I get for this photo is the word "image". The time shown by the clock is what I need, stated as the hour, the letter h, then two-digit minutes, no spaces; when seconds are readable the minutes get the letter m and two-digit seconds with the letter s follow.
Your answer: 11h40m46s
